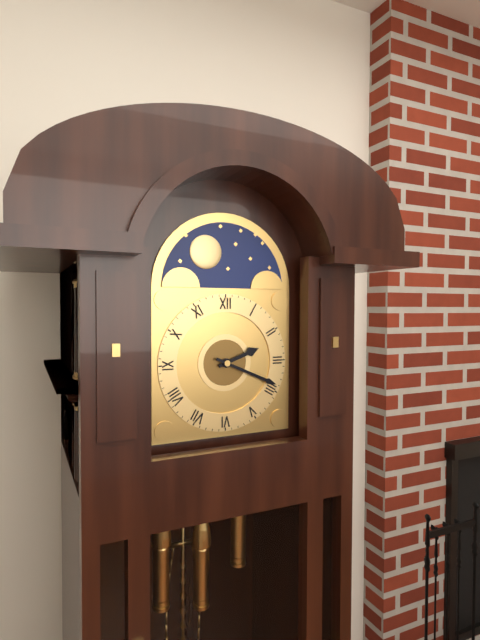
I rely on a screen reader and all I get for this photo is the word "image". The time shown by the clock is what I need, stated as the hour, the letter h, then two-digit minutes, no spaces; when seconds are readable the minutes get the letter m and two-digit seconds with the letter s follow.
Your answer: 2h19
